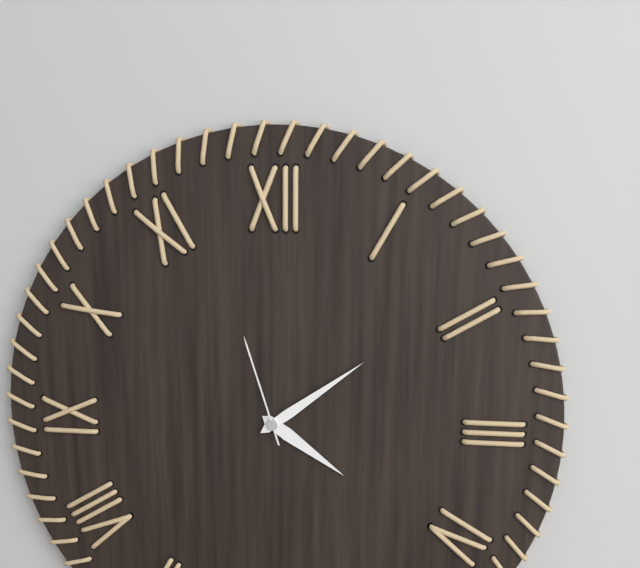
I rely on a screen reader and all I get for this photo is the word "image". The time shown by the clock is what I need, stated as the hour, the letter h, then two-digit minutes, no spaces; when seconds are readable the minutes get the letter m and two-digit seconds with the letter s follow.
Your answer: 4h09m57s
